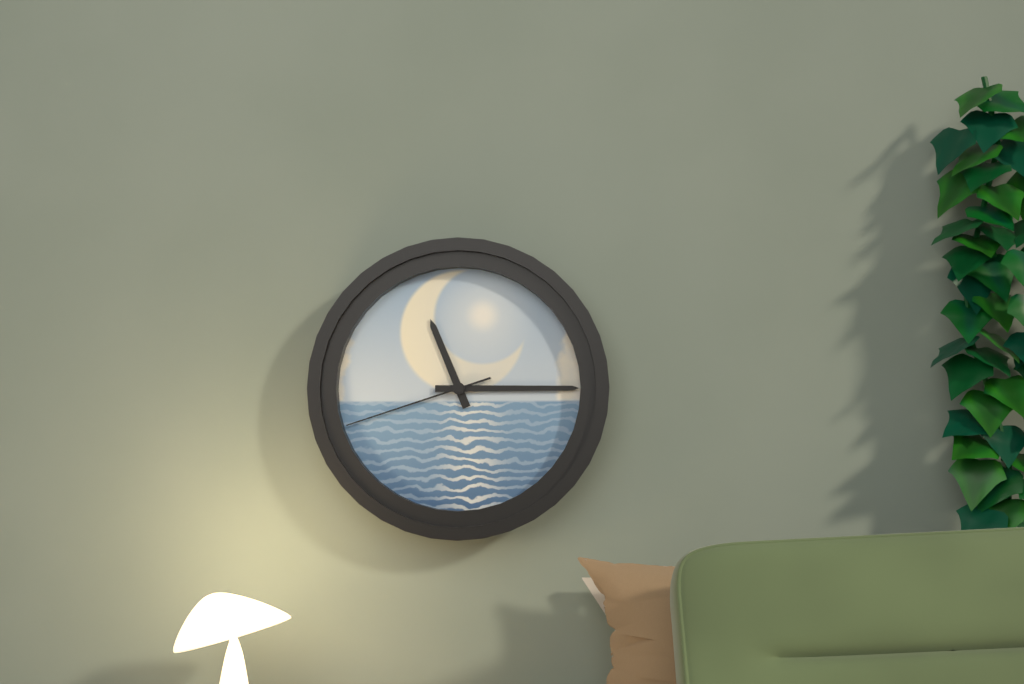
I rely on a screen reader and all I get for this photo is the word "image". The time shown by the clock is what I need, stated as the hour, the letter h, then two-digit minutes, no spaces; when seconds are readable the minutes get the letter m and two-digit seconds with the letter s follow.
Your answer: 11h15m42s
